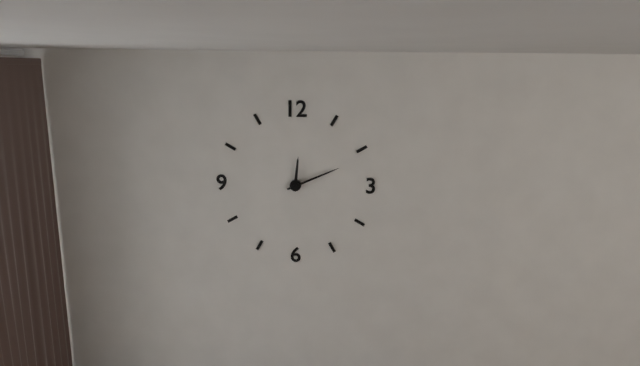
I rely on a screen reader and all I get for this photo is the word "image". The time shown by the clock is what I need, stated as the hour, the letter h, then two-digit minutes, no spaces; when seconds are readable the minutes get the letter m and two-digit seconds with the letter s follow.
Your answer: 12h11
